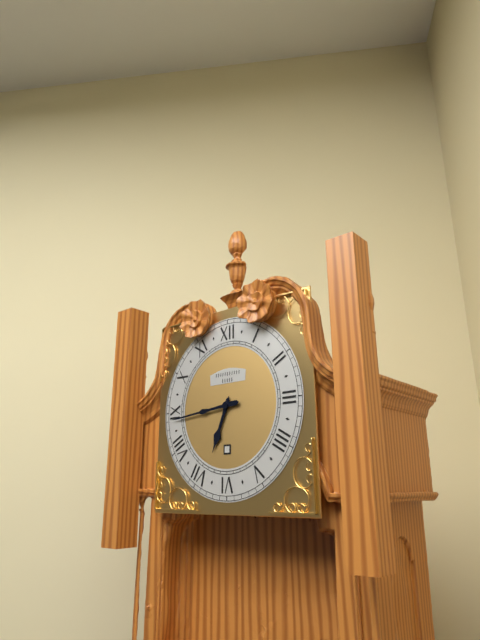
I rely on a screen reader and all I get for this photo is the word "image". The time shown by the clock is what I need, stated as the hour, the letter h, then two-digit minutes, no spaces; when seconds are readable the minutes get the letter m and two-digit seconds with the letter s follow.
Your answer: 6h44
